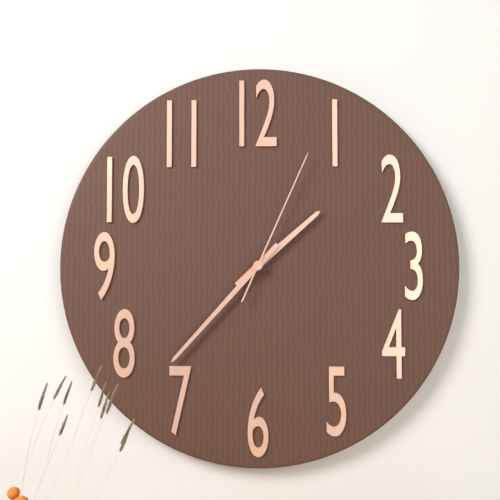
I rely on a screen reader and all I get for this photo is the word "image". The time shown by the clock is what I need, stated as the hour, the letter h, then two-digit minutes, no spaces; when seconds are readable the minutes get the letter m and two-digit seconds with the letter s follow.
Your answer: 1h37m04s
